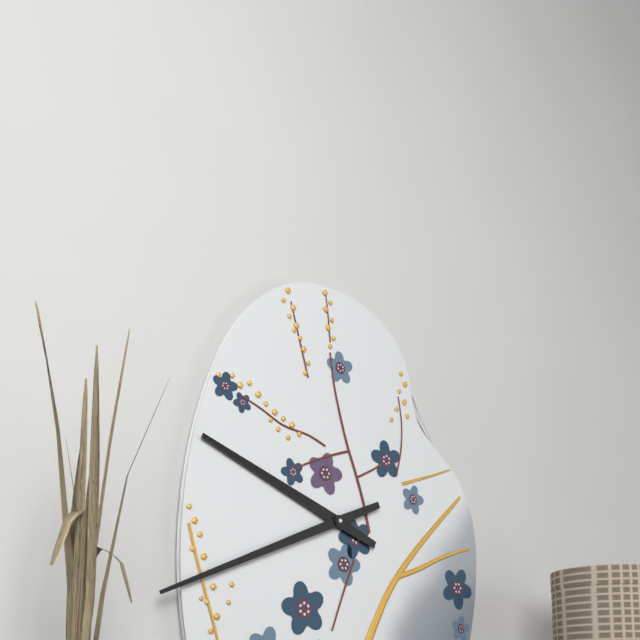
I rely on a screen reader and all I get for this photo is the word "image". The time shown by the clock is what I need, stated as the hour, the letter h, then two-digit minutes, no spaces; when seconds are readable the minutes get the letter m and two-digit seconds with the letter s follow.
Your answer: 9h41
